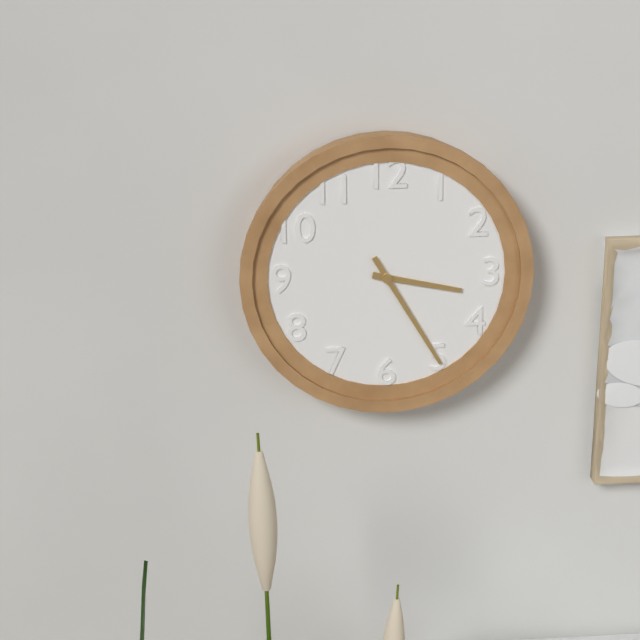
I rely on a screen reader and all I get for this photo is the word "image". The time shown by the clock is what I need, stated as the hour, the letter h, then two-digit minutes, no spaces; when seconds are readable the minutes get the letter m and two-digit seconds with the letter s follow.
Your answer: 3h25
